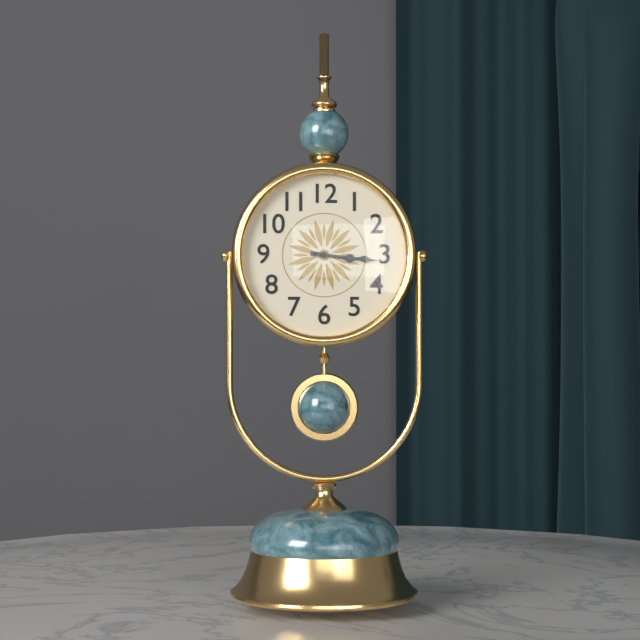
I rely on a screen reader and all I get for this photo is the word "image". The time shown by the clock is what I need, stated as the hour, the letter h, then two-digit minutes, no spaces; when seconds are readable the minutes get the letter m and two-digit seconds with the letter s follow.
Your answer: 3h16
